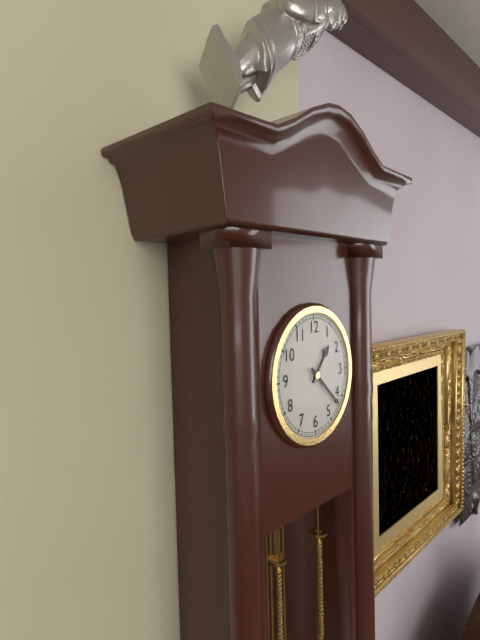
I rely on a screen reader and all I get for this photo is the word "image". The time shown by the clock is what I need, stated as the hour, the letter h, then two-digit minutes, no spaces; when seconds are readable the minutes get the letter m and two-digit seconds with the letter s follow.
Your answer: 1h22
